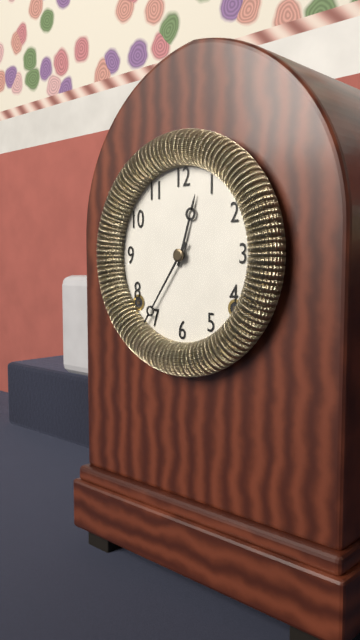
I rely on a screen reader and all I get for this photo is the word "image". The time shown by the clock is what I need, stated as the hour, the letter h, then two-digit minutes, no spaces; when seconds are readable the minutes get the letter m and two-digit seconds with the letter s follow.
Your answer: 12h36
